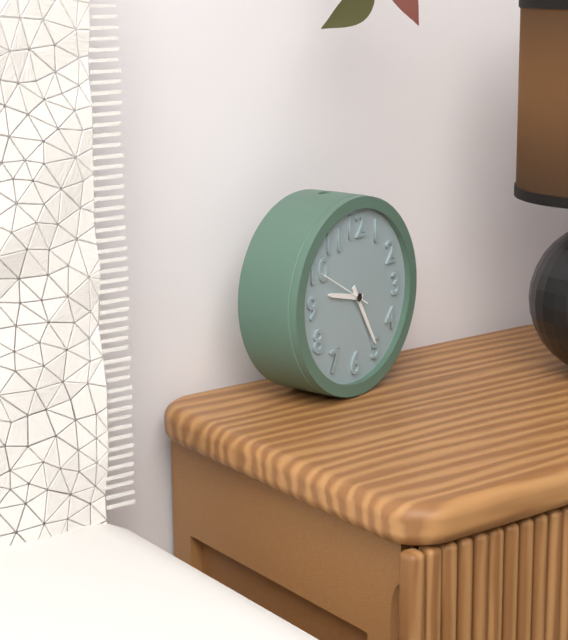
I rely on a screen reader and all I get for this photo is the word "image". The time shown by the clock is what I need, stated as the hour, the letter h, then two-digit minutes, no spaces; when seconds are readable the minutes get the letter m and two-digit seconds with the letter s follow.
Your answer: 9h25m50s
